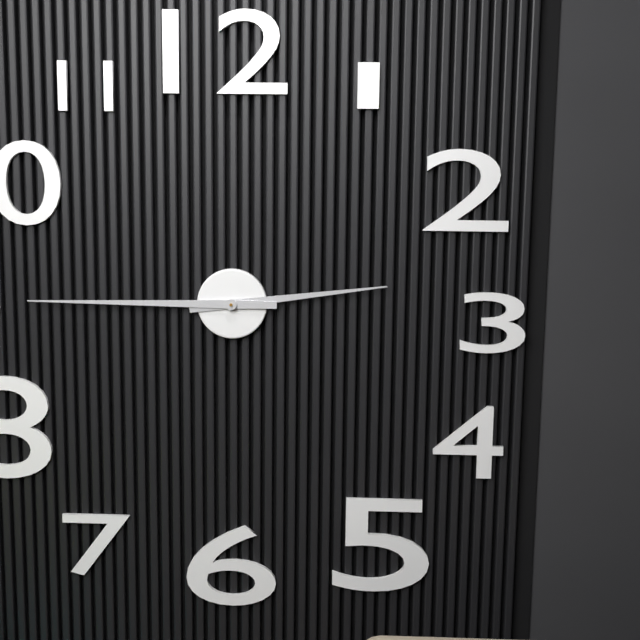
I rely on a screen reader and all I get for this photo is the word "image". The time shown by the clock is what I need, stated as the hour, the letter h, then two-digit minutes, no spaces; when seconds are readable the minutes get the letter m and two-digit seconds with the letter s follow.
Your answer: 2h45
